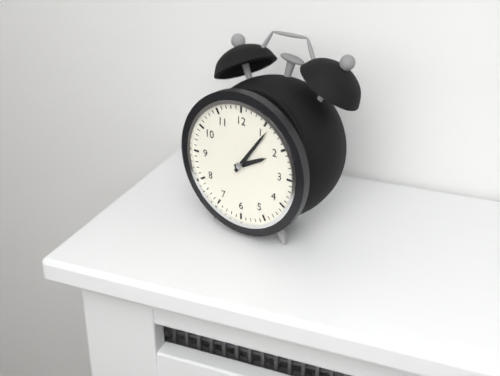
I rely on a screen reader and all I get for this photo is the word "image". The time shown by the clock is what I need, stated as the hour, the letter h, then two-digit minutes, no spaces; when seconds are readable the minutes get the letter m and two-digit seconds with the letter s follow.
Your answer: 2h06
